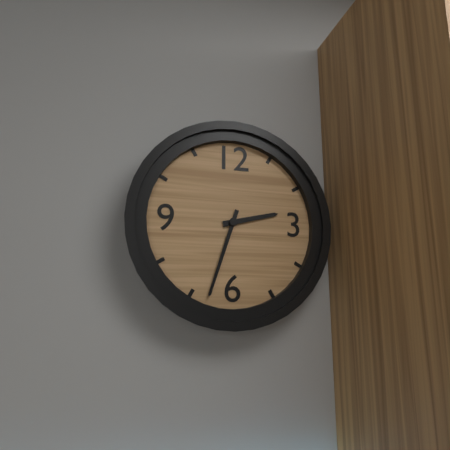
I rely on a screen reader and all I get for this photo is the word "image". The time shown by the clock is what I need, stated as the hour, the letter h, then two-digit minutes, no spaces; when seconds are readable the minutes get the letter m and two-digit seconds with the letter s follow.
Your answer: 2h33
